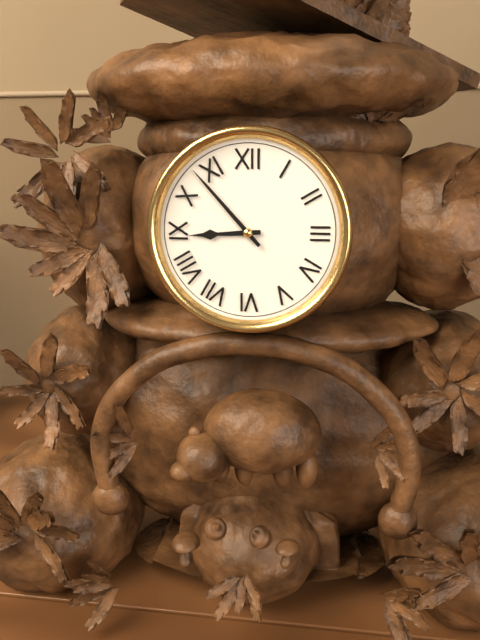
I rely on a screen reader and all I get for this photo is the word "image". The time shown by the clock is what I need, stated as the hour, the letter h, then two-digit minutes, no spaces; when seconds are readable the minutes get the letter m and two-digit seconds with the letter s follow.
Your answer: 8h53
